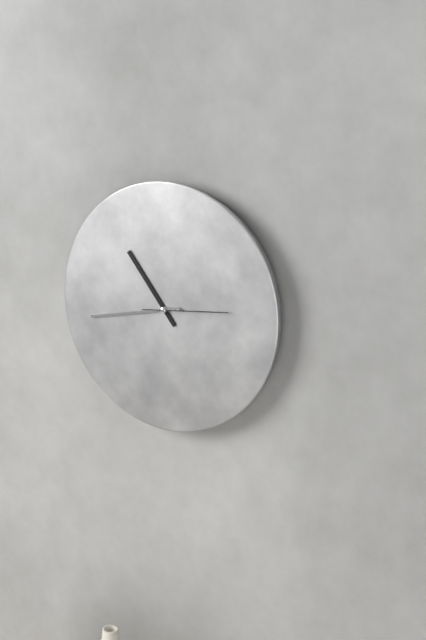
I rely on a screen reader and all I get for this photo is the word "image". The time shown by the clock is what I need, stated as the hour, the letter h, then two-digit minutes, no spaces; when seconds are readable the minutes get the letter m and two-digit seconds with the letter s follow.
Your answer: 10h43m14s
